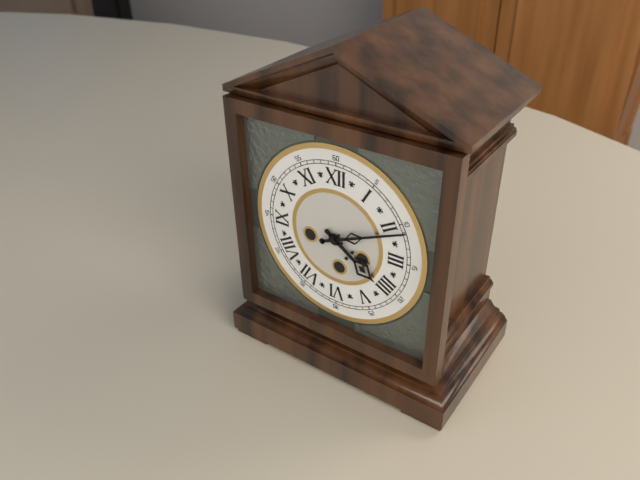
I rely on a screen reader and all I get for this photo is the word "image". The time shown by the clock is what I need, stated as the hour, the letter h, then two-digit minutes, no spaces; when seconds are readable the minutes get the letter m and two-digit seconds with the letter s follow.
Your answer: 4h11
